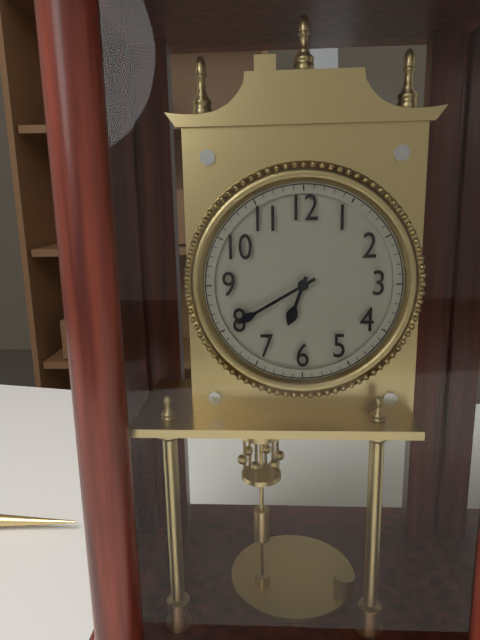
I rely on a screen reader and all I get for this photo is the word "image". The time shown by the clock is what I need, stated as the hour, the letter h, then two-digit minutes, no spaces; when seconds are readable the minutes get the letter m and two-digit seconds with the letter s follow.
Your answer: 6h40
